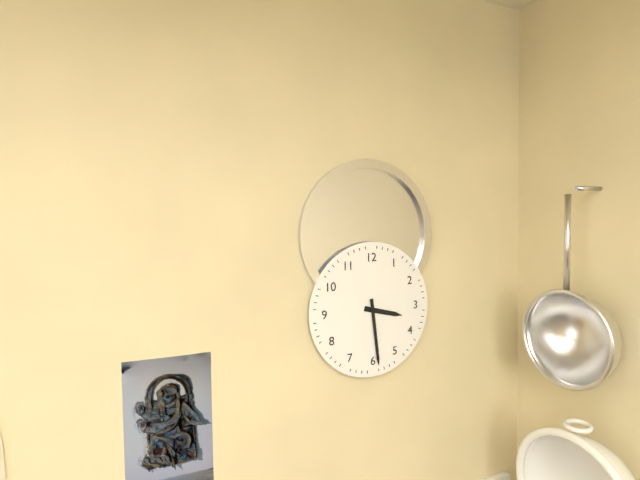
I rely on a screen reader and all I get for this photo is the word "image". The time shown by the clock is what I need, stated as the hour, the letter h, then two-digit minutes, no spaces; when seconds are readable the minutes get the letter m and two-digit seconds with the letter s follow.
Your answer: 3h29
